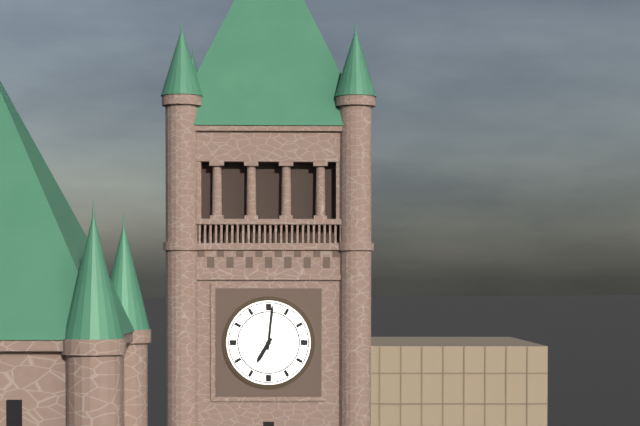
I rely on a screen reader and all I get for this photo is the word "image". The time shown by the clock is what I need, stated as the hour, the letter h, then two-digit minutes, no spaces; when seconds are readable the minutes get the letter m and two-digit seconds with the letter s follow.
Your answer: 7h01
